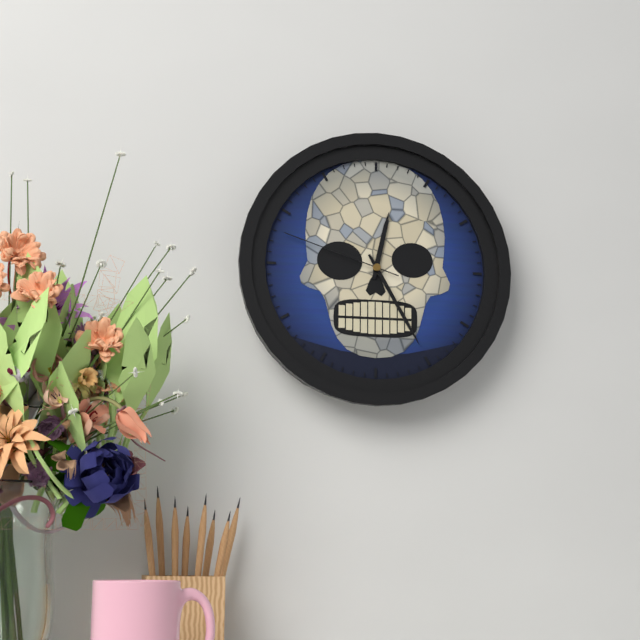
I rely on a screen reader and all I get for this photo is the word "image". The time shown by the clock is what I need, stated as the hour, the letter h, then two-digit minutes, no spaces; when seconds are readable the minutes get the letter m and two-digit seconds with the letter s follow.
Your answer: 12h25m48s
